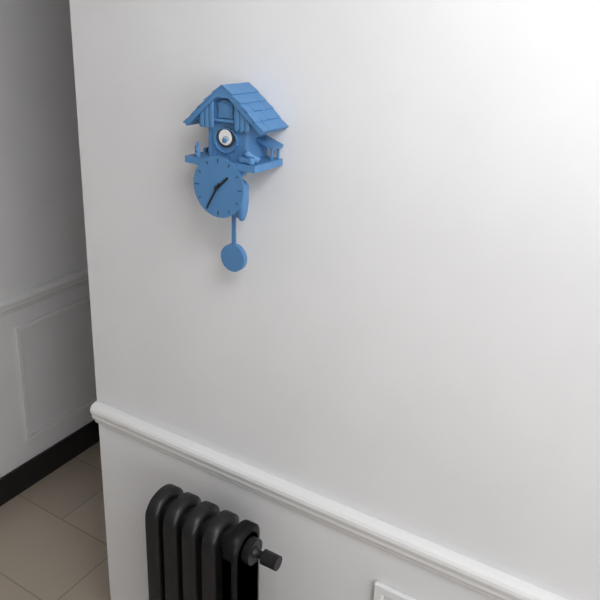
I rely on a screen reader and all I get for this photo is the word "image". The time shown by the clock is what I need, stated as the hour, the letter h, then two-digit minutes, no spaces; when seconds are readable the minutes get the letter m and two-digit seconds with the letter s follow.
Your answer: 1h35
